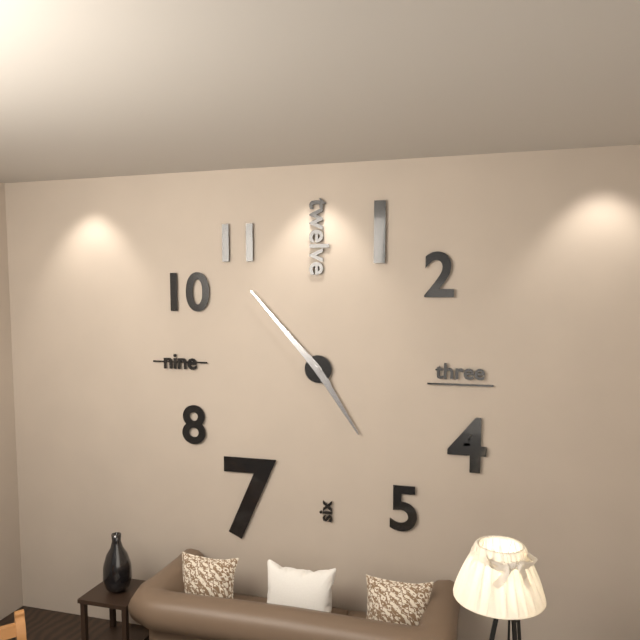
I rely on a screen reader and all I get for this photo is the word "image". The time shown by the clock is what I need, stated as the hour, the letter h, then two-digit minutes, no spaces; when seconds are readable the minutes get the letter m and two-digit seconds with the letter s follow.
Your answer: 4h53
